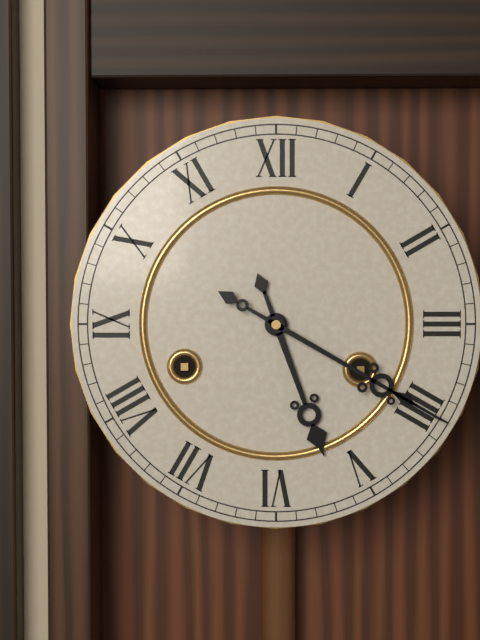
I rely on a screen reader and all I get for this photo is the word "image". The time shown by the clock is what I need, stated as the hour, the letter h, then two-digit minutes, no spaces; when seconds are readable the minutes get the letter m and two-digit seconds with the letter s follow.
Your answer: 5h20
